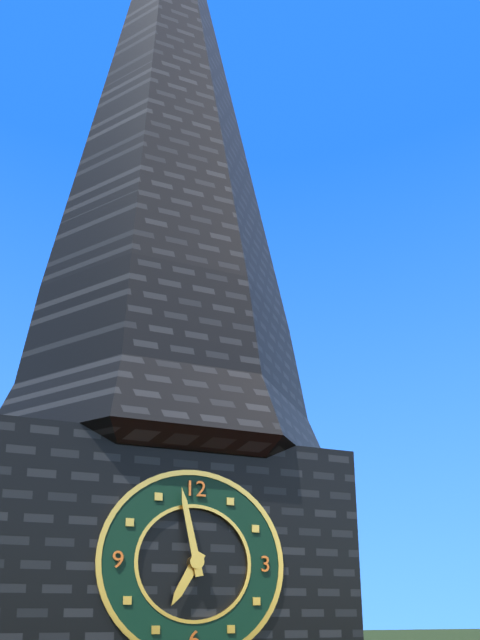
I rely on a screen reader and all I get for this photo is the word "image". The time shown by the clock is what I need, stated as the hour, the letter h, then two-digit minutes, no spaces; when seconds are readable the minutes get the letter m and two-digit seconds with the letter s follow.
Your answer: 6h58
